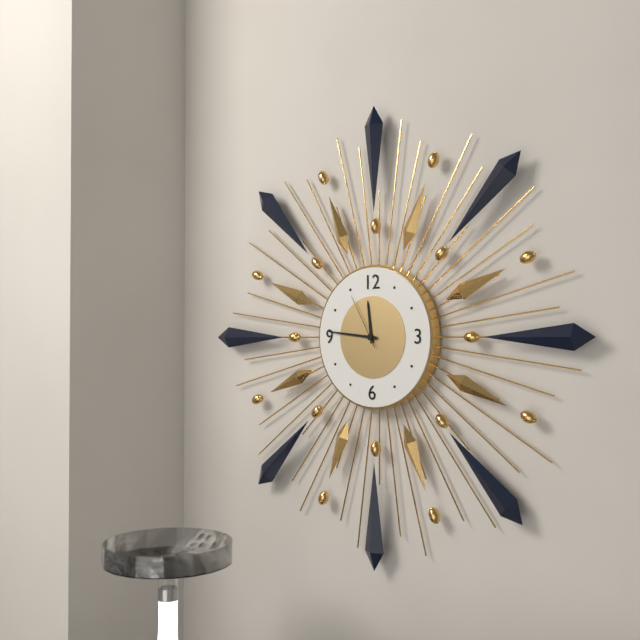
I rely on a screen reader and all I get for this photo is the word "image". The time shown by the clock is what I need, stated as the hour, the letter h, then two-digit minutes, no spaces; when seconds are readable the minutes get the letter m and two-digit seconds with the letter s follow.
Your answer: 11h46m55s
